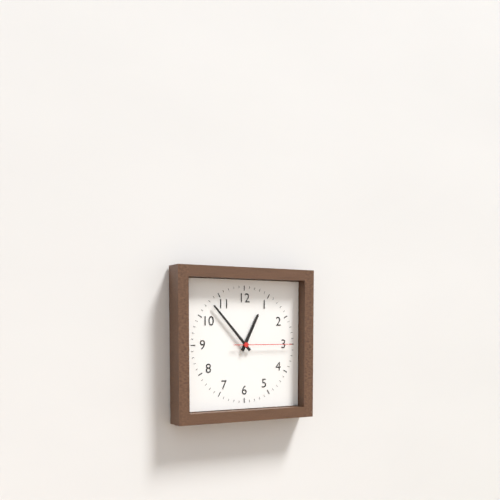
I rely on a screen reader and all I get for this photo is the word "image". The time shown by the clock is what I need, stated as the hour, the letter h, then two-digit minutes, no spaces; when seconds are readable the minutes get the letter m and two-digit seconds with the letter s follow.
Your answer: 12h53m15s
